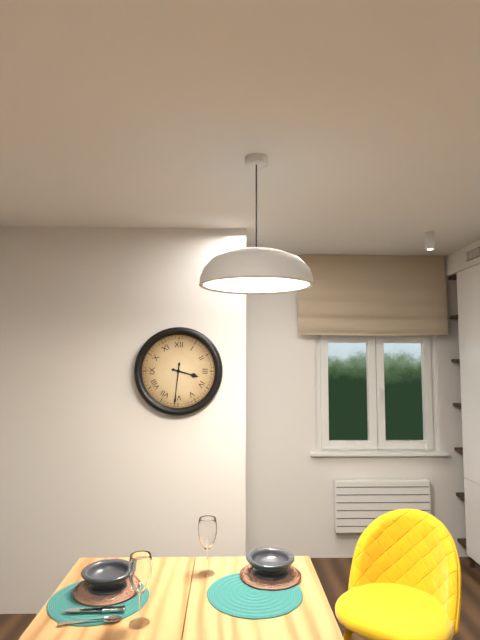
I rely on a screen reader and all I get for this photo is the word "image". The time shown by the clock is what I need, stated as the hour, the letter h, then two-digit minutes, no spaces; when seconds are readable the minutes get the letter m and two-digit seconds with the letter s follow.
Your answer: 3h31
